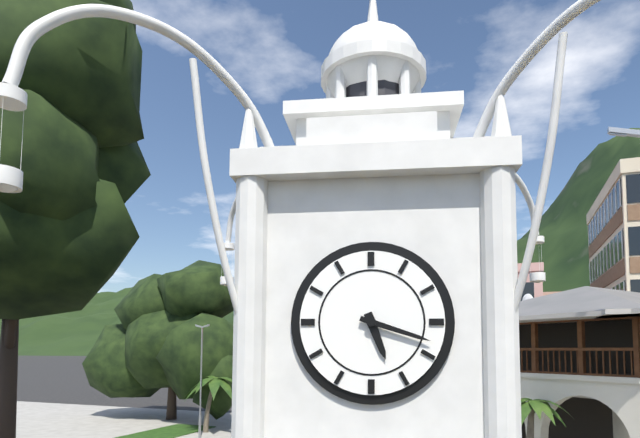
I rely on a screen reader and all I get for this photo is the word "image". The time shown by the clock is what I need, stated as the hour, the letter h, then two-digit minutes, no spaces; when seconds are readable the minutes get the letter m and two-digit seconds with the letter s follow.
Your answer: 5h18
